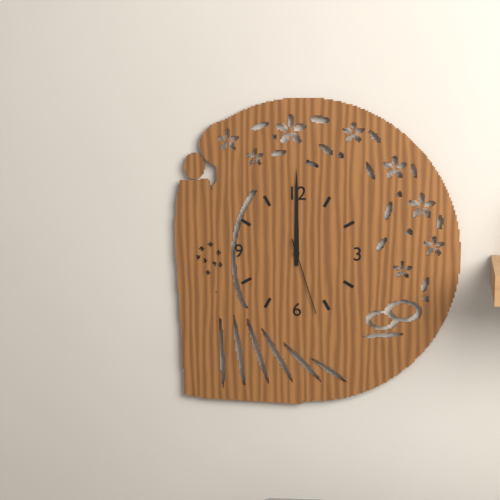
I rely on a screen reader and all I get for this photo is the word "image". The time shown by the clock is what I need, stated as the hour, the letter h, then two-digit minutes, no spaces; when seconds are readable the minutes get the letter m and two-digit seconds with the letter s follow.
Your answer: 12h00m27s
